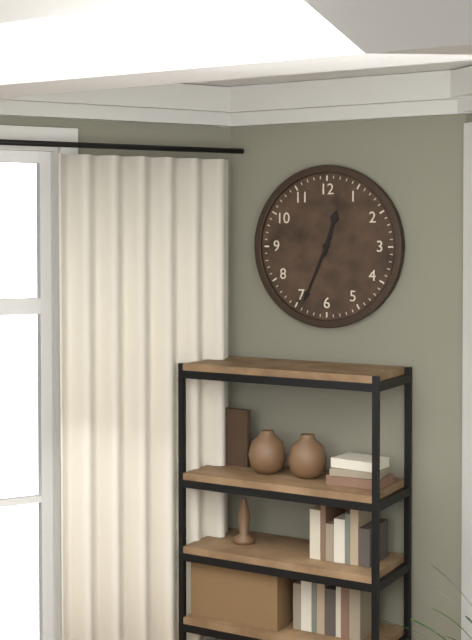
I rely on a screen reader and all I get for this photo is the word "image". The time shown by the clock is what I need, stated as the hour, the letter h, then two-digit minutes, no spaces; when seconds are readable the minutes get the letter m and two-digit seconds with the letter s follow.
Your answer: 12h34
